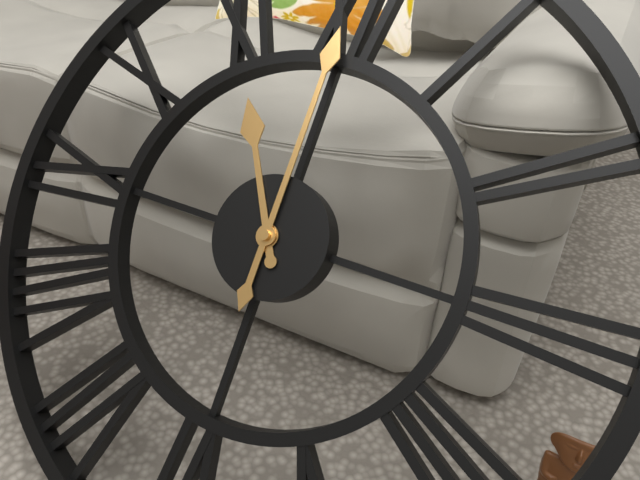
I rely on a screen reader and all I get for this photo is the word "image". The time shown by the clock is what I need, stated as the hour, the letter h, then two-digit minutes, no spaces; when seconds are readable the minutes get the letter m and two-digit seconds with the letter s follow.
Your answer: 11h00
